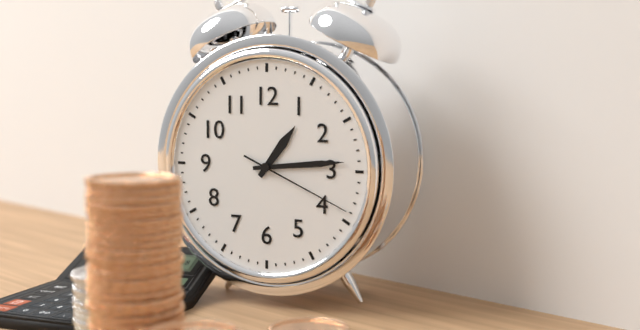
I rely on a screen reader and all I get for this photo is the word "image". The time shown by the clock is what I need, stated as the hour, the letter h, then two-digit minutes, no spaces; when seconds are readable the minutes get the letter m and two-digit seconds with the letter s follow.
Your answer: 1h14m19s
